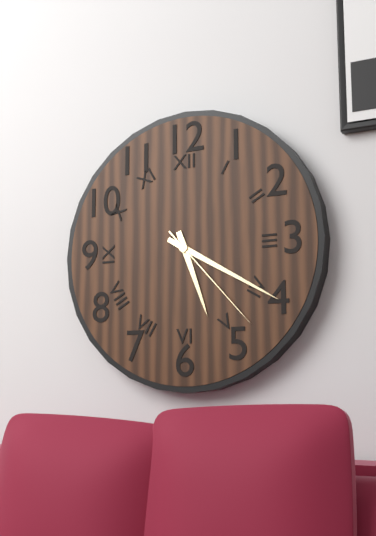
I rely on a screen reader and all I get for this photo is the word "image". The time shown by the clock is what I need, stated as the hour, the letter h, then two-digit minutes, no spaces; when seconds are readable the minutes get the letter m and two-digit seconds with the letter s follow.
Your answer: 5h20m23s
